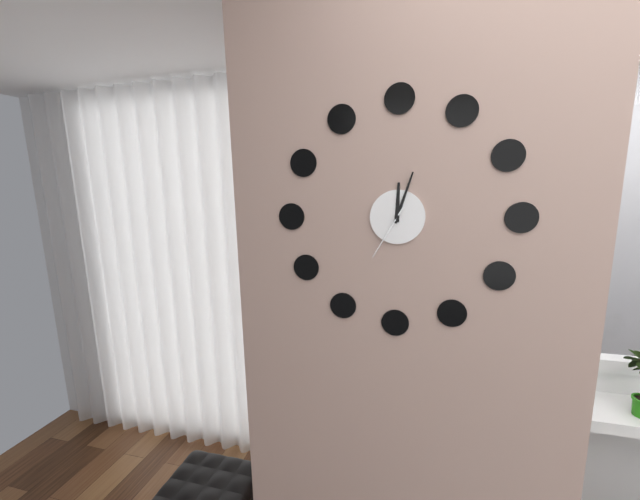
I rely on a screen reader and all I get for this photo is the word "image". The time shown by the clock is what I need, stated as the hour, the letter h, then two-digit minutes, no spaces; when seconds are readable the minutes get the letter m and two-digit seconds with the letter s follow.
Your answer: 12h03m35s
